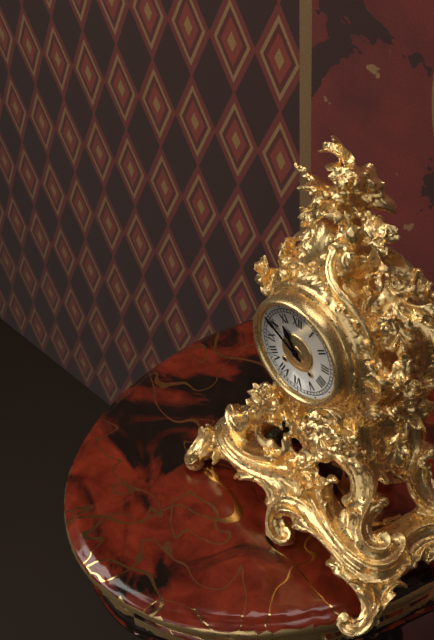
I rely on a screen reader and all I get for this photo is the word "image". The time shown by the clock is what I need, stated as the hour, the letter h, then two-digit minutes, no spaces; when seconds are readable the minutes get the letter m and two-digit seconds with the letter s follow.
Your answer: 10h50
